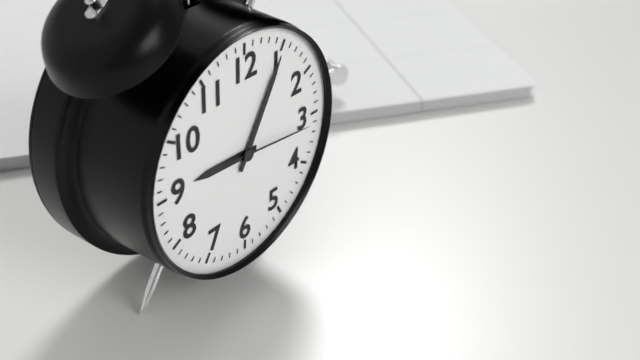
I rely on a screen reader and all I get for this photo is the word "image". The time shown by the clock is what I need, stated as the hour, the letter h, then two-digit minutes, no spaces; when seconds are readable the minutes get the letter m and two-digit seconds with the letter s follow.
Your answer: 9h05m16s
